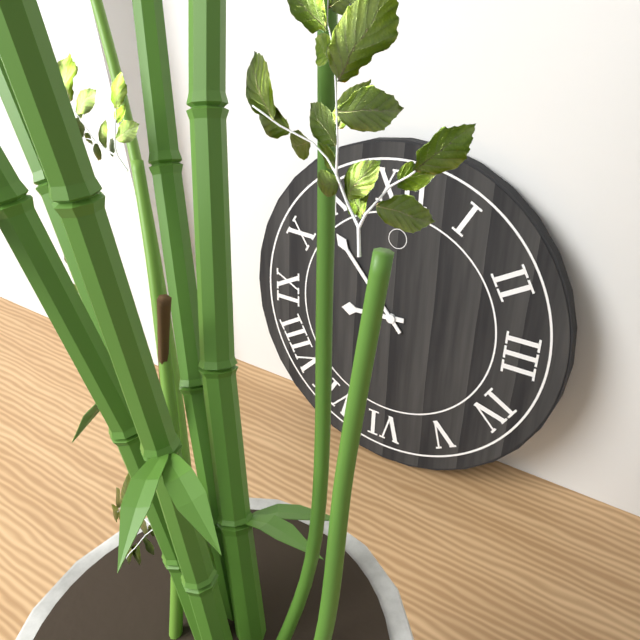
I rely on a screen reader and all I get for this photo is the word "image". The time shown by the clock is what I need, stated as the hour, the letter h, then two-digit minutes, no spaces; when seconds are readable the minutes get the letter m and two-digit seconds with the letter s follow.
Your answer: 8h53
